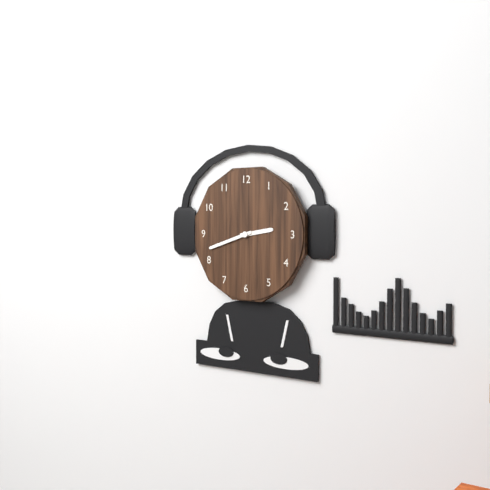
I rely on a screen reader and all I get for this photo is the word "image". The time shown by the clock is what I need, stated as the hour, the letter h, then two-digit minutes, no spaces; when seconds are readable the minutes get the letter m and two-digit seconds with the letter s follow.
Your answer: 2h42
